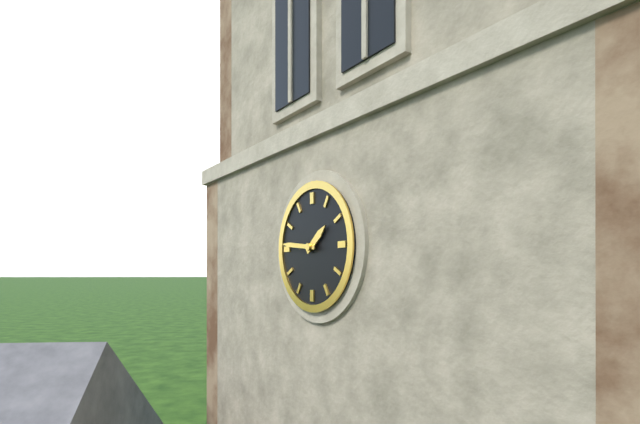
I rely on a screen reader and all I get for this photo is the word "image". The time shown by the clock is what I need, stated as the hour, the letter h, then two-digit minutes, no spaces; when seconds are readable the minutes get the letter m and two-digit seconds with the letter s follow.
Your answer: 1h46
